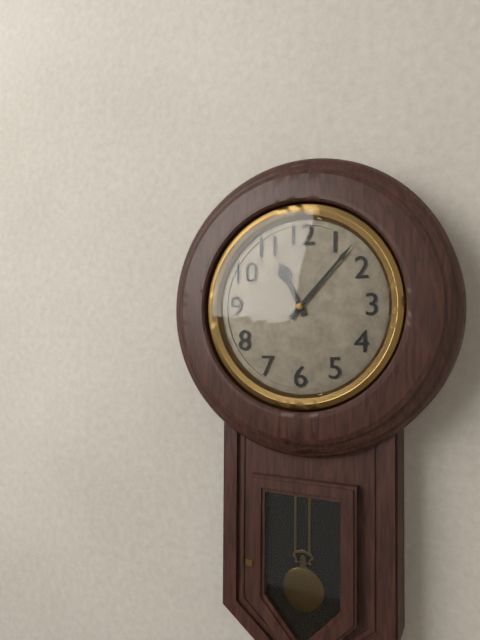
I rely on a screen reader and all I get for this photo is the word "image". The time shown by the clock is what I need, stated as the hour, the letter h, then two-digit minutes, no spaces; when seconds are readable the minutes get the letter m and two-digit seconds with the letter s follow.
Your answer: 11h07
